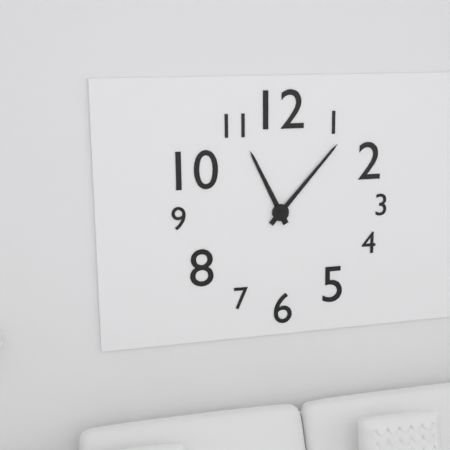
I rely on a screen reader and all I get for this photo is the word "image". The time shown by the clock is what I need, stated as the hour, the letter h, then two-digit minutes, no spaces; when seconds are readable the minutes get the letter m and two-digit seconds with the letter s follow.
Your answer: 11h07
